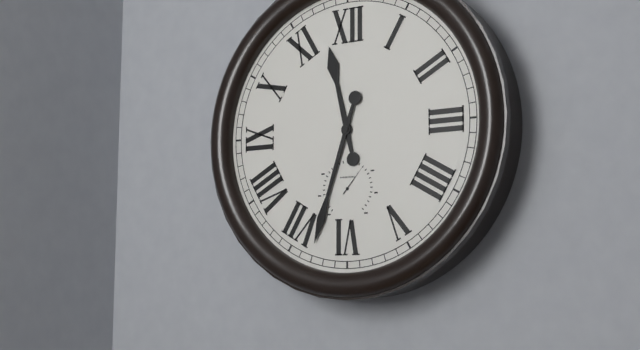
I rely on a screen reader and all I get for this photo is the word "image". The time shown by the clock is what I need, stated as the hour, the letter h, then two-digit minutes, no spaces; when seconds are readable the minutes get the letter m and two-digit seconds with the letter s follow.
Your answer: 11h33
